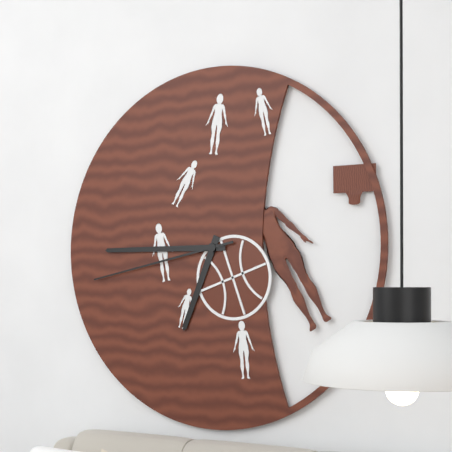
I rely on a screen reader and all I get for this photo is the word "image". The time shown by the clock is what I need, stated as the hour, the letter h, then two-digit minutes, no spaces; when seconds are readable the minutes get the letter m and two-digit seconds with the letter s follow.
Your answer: 6h45m43s
